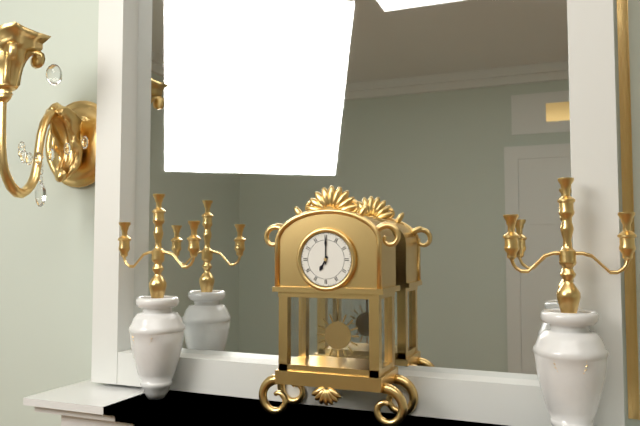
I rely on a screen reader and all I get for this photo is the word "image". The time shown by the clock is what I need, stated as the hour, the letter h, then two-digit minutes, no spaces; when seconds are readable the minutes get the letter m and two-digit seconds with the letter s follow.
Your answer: 7h00
